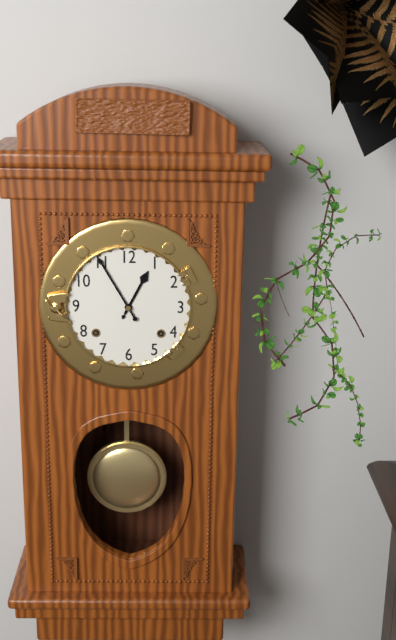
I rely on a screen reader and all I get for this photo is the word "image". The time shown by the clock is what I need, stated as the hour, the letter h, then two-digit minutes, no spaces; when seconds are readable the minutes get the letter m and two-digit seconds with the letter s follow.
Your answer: 12h55
